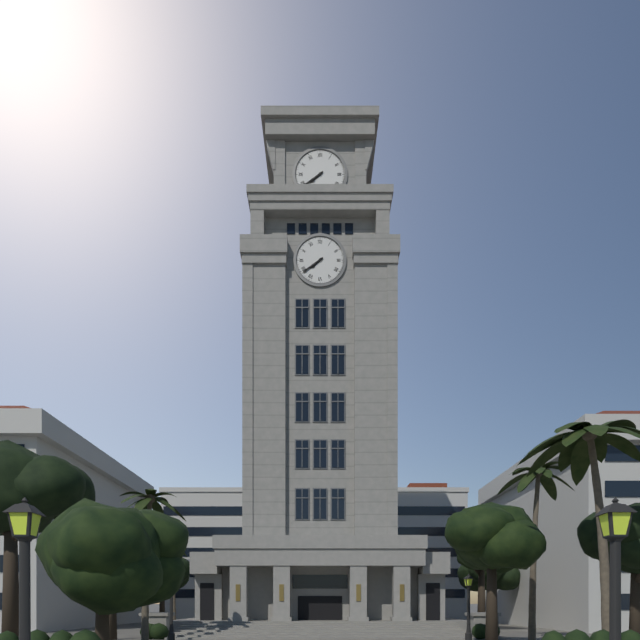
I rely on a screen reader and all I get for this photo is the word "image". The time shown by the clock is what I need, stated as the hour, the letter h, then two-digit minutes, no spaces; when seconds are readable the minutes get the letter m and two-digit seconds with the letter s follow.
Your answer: 7h39
